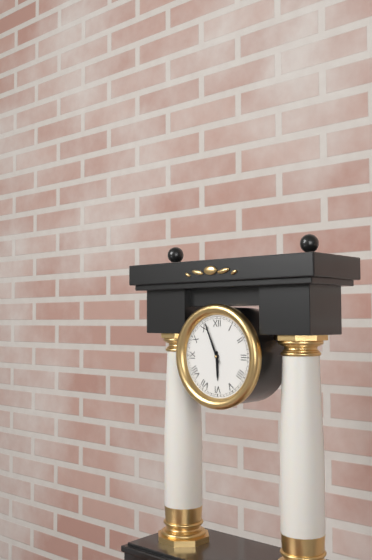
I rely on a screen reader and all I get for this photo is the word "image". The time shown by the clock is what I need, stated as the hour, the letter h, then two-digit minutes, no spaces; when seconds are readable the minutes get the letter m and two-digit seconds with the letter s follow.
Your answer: 5h56
